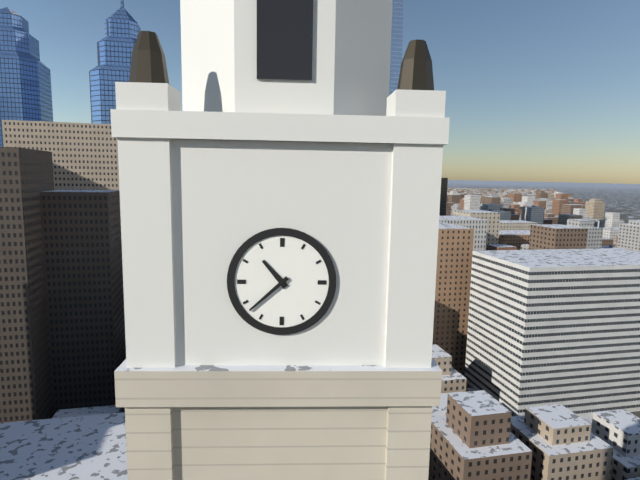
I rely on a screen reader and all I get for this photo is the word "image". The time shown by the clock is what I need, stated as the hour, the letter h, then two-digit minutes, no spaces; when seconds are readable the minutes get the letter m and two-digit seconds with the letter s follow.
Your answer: 10h38
